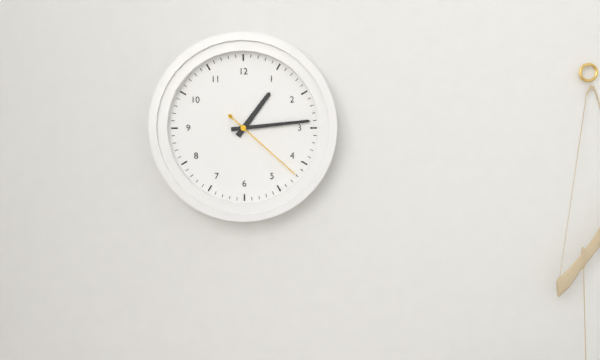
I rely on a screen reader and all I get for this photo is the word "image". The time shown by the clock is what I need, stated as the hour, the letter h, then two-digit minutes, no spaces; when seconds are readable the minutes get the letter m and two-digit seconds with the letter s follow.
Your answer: 1h14m22s
